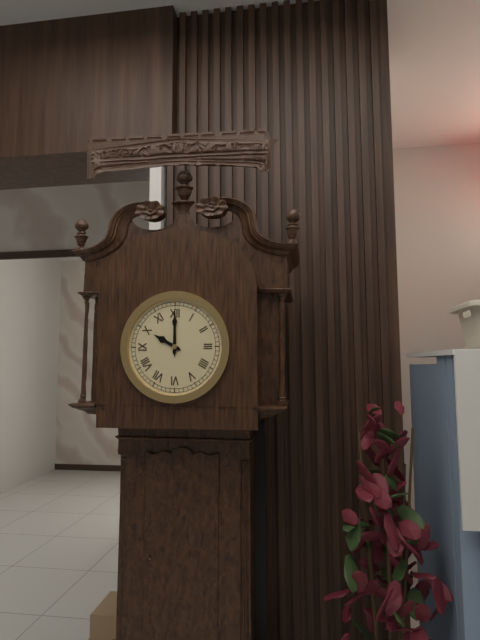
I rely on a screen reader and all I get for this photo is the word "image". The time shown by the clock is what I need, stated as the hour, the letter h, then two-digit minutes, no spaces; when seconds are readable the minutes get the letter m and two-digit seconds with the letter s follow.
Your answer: 10h00
